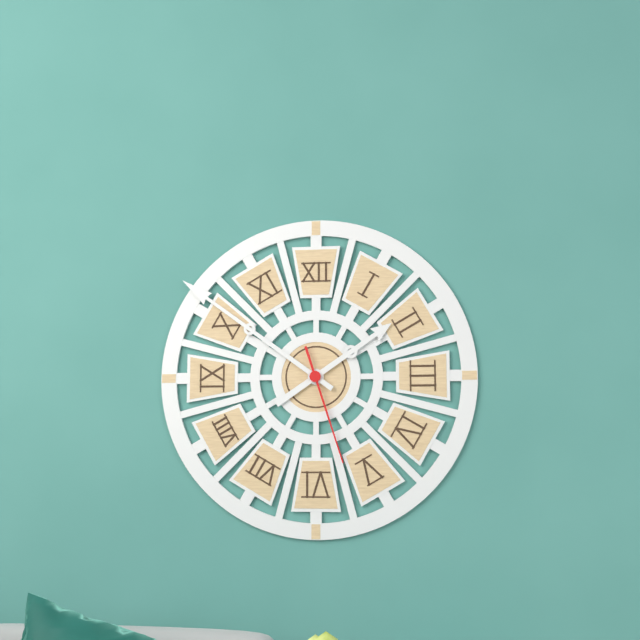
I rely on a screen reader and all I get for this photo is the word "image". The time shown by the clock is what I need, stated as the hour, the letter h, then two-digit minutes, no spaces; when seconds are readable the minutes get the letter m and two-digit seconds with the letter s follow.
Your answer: 1h51m27s
